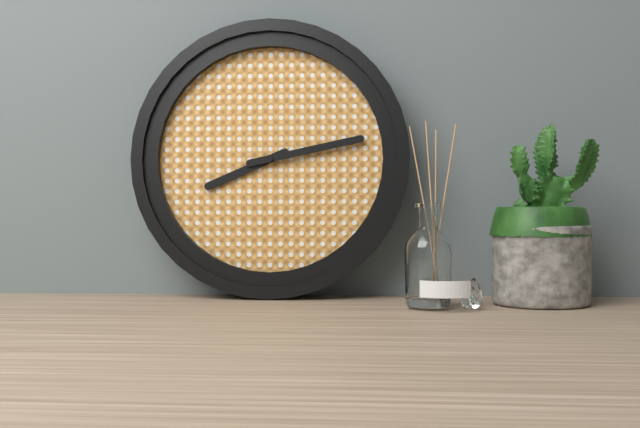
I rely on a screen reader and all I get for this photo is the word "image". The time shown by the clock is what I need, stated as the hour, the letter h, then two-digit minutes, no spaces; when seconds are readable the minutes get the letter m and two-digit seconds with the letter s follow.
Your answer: 8h13
